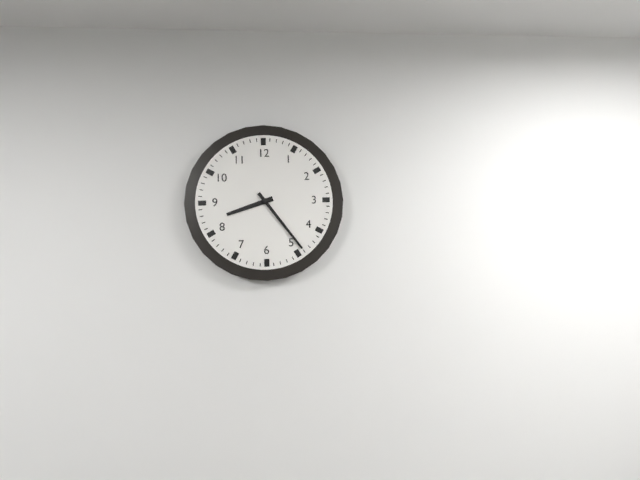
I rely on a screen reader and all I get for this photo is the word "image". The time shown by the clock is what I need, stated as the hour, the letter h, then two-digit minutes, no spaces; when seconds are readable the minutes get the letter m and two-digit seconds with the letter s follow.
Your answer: 8h24
